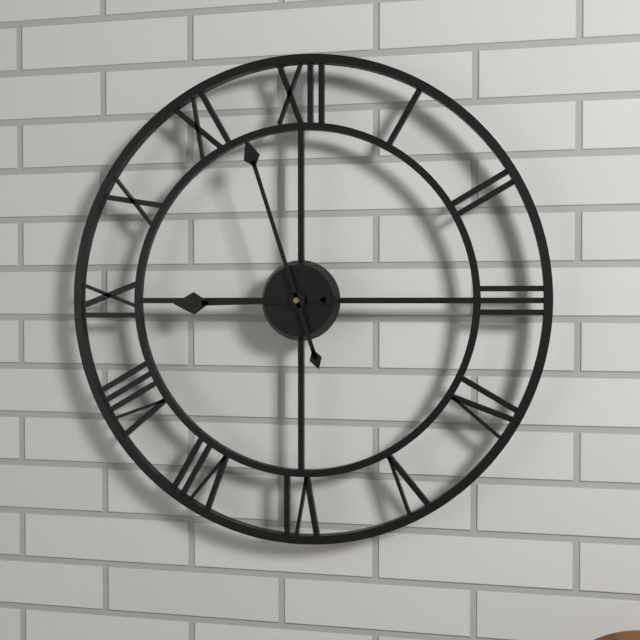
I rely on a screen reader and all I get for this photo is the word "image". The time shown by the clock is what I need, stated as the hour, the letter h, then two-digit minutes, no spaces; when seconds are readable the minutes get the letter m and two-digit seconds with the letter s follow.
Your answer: 8h57
